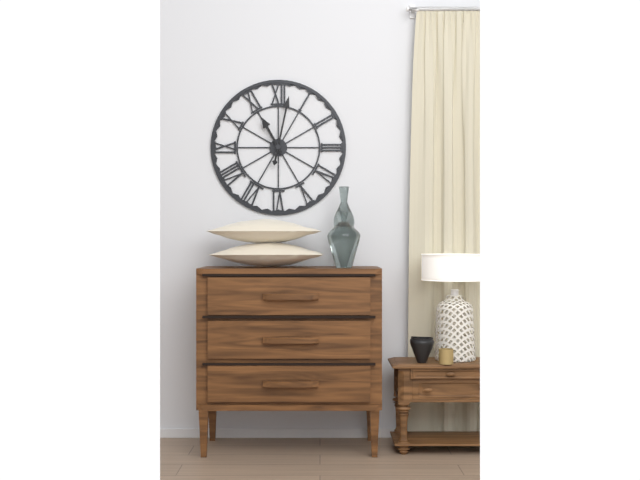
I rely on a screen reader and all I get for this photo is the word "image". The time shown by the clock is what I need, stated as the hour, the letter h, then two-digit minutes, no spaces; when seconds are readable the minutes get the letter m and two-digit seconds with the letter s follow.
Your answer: 11h02
